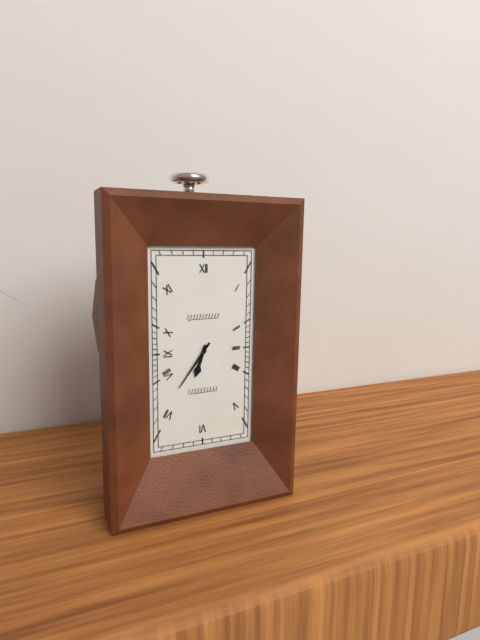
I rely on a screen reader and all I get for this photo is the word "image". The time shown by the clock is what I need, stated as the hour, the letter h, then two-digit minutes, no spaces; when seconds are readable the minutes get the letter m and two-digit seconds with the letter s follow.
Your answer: 6h36
